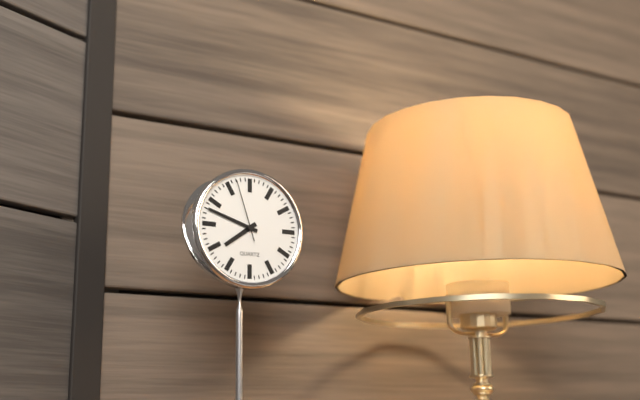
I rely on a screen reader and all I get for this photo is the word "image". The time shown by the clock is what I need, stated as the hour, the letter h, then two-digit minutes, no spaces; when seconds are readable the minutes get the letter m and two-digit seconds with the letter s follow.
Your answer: 7h48m57s
